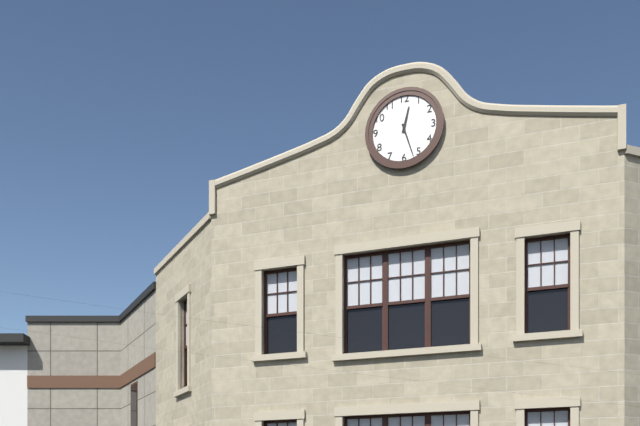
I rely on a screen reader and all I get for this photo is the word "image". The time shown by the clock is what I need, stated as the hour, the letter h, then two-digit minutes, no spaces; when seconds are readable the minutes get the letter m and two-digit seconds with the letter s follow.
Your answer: 12h27
